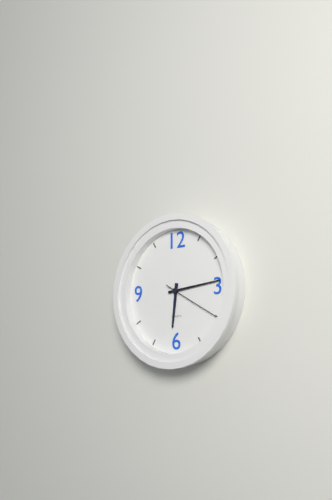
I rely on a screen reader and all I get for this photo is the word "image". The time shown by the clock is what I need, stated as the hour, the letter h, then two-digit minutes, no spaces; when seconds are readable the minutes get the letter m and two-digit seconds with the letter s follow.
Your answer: 6h14m20s
